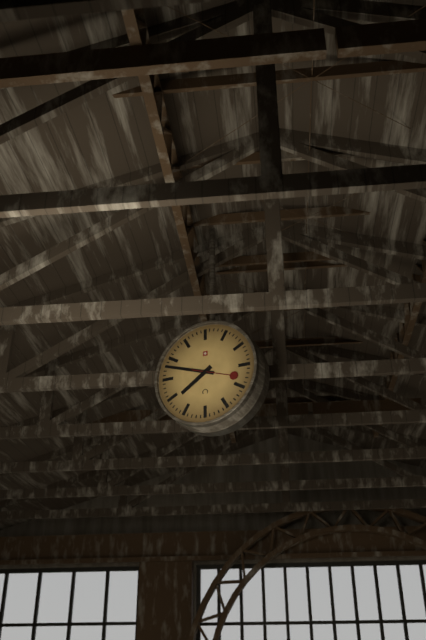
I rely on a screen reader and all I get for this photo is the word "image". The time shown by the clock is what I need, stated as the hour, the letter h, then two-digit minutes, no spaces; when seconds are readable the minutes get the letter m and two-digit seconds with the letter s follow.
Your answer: 7h48
